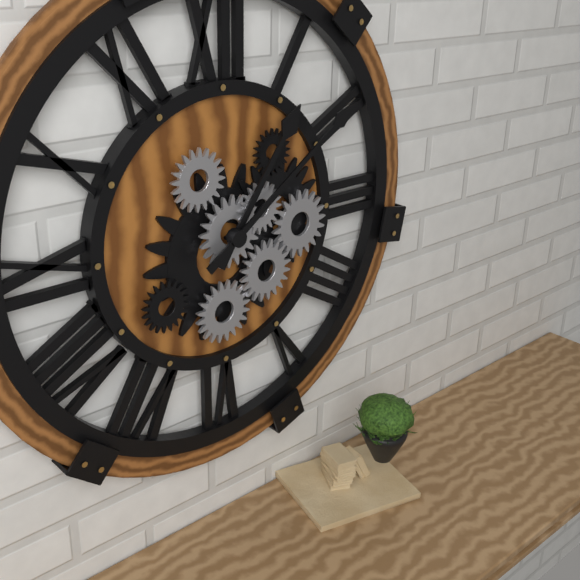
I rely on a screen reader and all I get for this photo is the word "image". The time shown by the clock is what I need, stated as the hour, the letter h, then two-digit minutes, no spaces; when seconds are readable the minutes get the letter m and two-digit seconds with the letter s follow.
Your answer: 1h09
